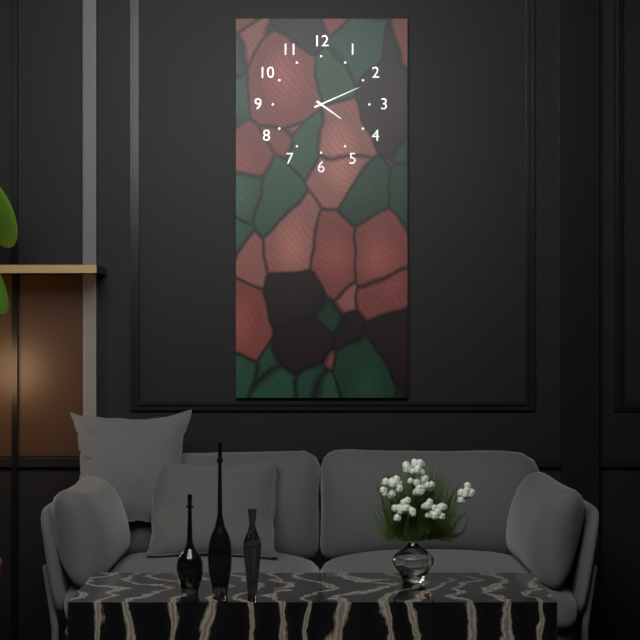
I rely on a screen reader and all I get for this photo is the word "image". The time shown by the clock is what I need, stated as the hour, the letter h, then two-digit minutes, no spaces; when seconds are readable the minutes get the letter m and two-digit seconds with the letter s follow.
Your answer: 4h11
